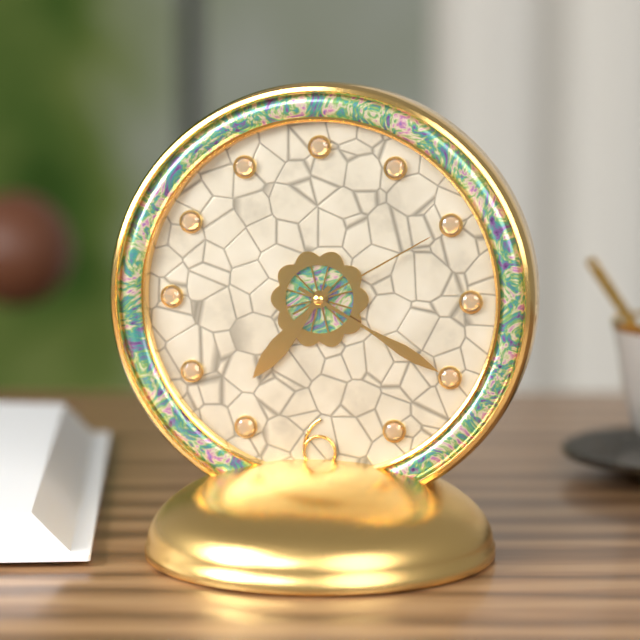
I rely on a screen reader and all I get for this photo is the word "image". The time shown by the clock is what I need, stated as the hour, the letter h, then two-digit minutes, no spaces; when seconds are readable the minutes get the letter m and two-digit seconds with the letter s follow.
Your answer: 7h20m10s
